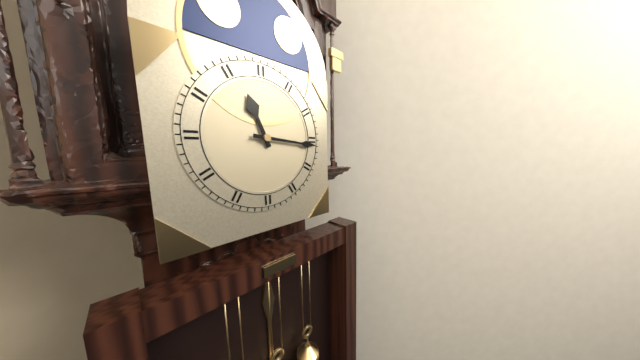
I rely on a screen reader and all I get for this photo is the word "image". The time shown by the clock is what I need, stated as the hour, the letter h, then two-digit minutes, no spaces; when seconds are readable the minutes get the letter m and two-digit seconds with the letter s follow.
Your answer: 11h16
